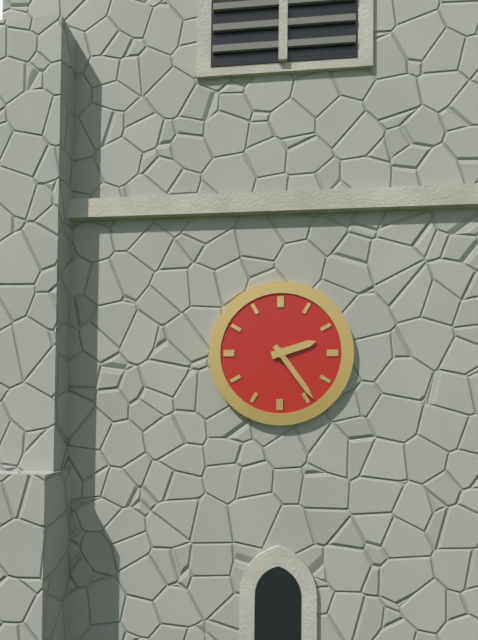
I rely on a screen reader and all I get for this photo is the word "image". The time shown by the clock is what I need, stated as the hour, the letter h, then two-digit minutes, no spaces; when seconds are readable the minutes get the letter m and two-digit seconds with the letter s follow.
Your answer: 2h24
